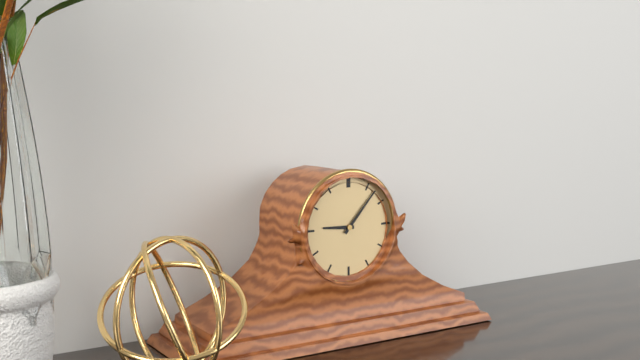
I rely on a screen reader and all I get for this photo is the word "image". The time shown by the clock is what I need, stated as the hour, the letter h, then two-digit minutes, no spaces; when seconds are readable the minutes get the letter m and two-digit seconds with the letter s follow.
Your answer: 9h07
